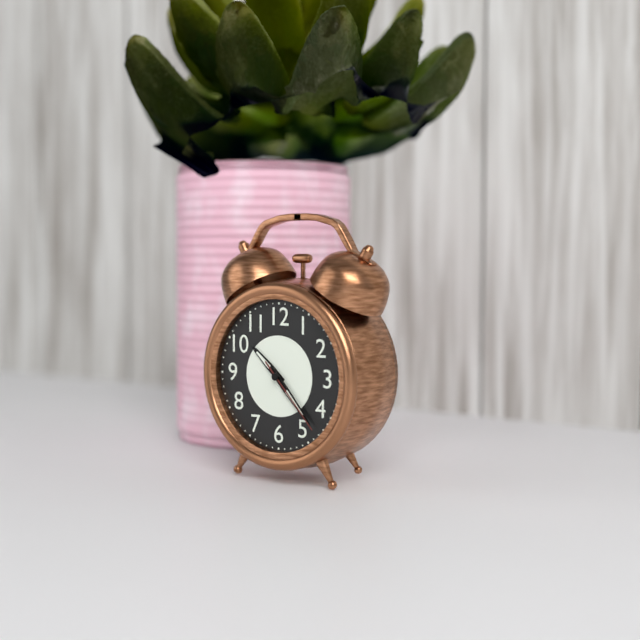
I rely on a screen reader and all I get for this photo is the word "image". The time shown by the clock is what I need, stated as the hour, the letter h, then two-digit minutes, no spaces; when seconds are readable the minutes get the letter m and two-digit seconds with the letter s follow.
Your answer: 10h23m23s
